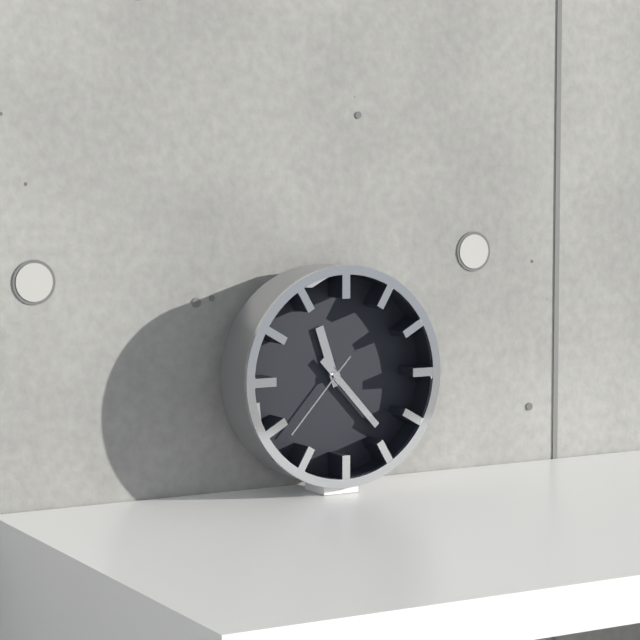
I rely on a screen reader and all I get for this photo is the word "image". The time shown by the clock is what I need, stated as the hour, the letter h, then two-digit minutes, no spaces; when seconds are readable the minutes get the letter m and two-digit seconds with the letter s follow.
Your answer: 11h23m37s
